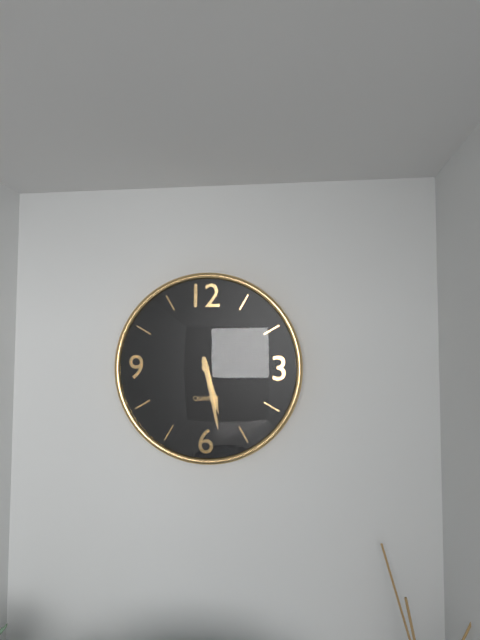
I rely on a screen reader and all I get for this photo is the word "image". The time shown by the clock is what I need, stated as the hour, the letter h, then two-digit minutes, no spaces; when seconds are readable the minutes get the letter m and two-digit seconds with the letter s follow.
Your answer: 5h28
